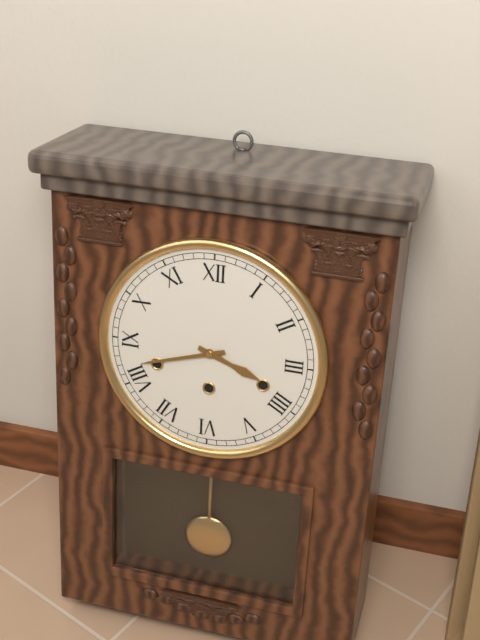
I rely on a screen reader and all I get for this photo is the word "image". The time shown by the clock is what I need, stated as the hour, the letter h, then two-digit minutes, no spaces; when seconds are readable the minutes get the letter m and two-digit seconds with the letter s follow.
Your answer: 3h42
